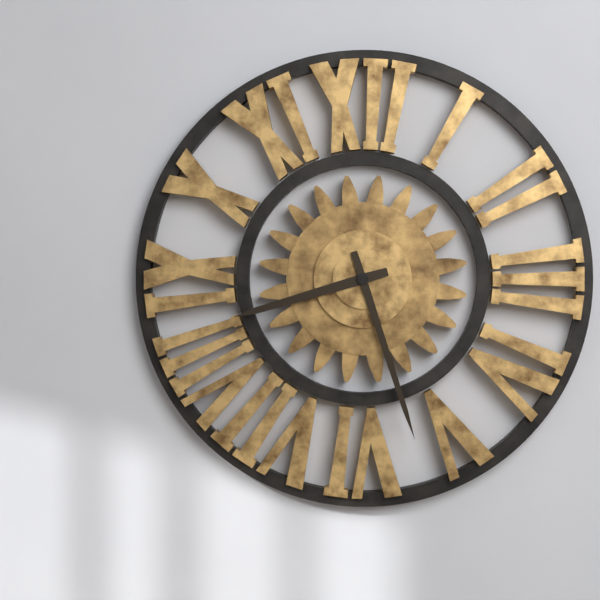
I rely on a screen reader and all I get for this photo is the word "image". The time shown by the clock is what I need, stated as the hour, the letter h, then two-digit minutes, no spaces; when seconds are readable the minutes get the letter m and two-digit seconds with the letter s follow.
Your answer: 8h27
